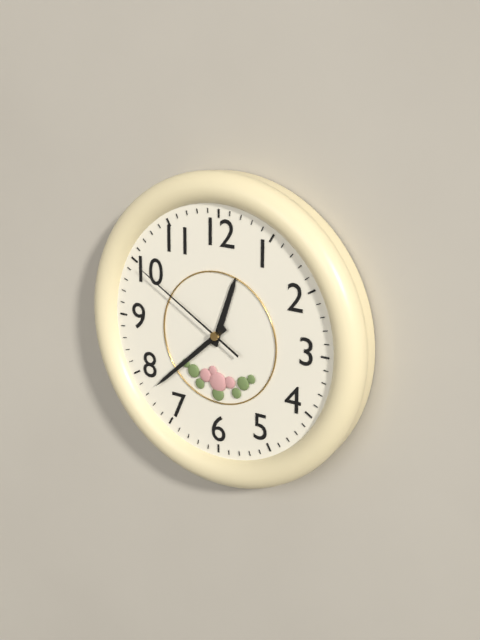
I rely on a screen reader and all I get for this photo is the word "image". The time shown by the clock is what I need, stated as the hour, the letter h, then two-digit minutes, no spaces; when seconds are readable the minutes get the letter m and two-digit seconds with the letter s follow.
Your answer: 12h38m50s
